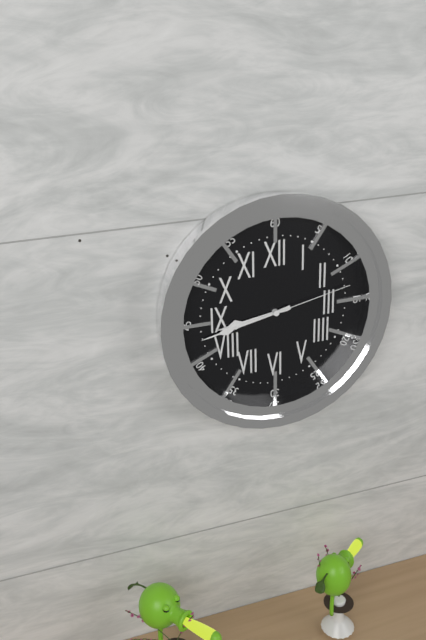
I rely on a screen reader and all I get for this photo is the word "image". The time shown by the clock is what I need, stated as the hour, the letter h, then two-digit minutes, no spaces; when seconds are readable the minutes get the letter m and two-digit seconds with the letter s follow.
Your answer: 8h43m13s
